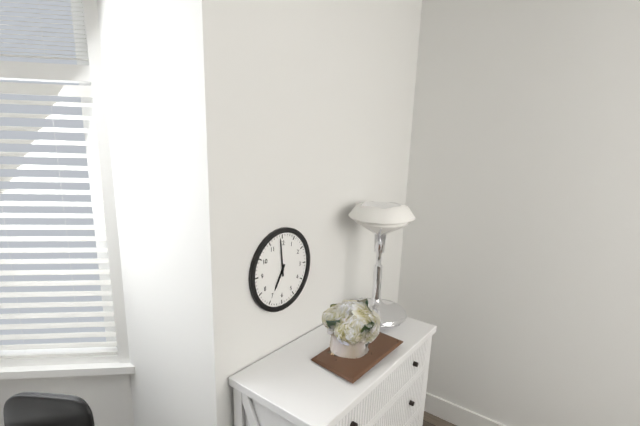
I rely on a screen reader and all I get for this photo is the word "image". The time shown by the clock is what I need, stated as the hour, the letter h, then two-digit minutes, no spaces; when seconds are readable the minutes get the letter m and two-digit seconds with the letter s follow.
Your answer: 6h59
